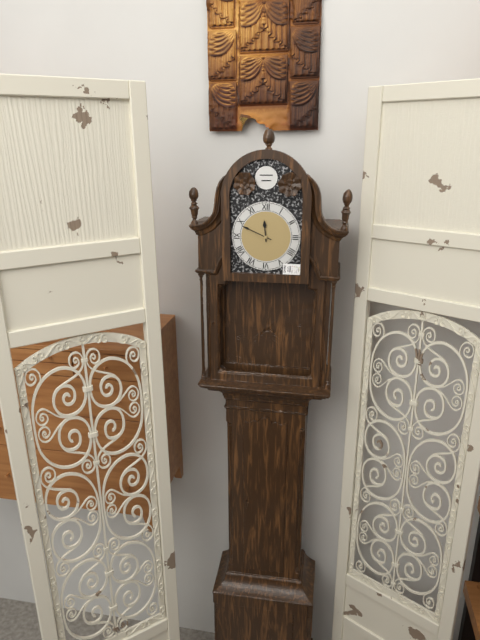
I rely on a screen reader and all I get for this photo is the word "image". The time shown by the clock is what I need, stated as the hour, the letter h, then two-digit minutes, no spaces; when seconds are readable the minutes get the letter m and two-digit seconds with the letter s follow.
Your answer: 11h49
